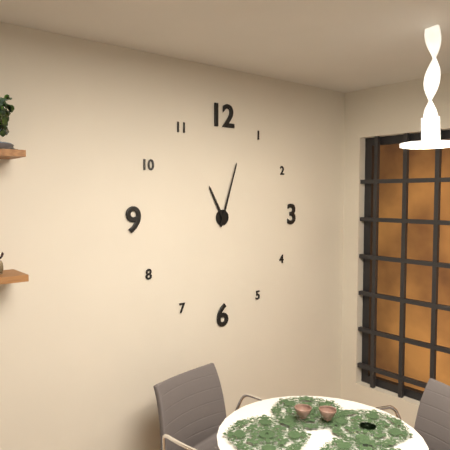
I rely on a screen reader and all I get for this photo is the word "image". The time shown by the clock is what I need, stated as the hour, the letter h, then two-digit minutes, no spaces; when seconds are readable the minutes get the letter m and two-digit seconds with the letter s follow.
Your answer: 11h03
